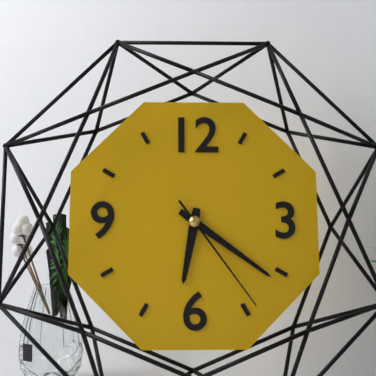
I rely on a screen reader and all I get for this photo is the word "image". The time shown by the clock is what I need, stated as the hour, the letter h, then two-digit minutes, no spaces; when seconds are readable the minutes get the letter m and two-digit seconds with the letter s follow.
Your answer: 6h21m24s
